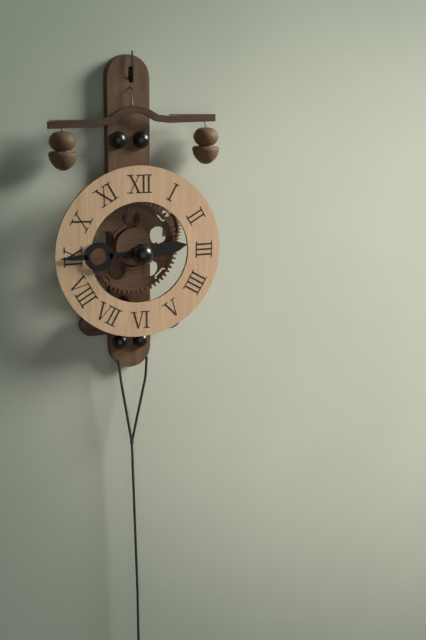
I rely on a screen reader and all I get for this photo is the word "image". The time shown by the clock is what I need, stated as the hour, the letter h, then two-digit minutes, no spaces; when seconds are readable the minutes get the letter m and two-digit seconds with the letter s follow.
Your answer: 2h45
